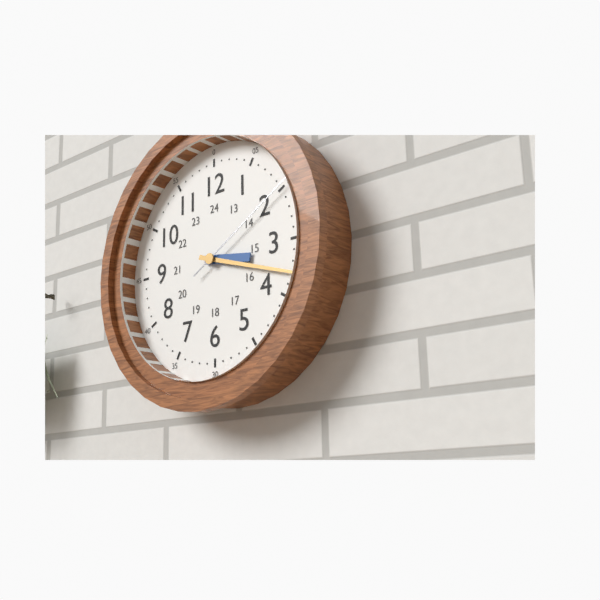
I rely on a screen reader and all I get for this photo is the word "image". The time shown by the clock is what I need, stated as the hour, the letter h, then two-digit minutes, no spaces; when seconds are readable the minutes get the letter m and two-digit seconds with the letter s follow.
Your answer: 3h18m10s
